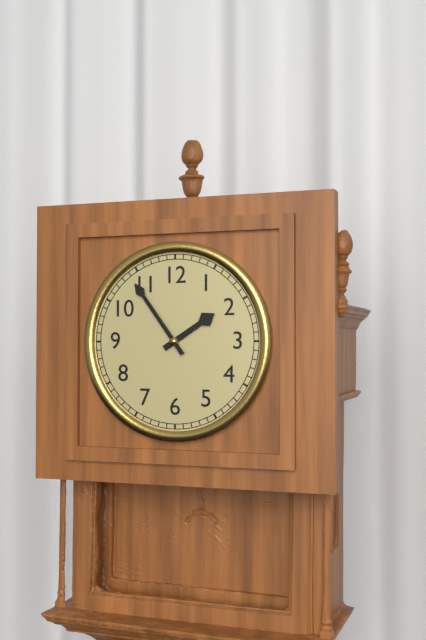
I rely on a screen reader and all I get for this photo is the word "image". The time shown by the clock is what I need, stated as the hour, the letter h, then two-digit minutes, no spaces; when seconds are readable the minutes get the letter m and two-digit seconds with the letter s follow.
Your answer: 1h54
